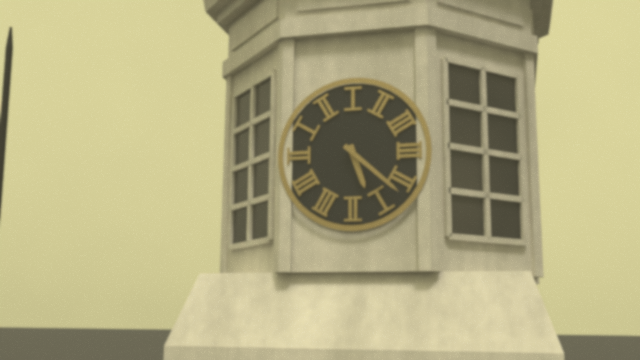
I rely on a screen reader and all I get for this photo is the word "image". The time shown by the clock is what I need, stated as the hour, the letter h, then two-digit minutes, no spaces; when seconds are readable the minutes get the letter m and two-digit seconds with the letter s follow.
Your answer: 5h22
